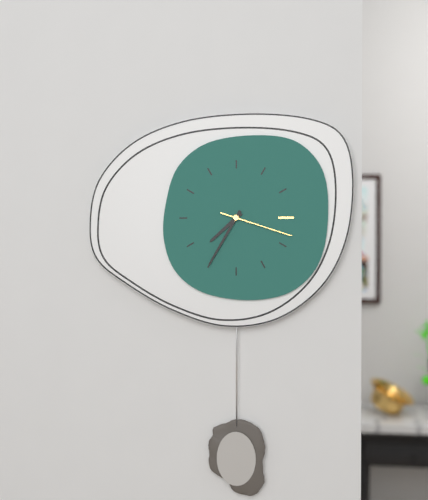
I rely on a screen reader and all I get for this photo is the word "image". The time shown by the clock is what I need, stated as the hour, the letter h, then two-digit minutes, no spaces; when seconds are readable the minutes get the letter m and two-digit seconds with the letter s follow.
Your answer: 7h35m18s
